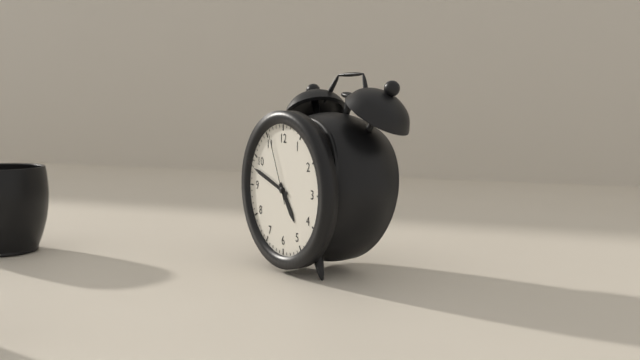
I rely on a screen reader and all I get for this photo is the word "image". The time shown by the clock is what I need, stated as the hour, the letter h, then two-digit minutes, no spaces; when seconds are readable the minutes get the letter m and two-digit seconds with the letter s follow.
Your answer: 4h48m56s
